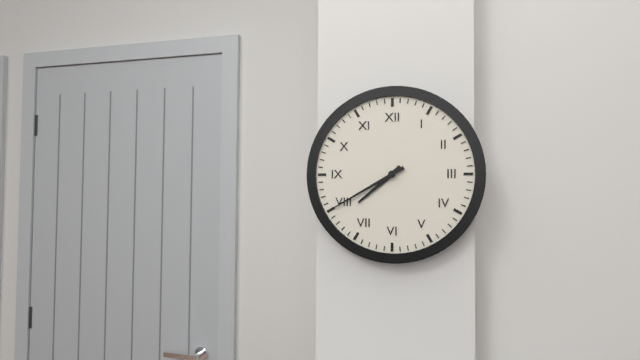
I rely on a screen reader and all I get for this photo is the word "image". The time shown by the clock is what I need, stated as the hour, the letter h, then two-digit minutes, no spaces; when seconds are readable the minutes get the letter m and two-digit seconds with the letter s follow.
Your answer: 7h40
